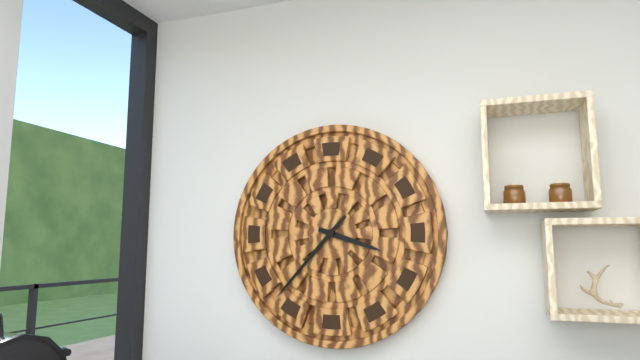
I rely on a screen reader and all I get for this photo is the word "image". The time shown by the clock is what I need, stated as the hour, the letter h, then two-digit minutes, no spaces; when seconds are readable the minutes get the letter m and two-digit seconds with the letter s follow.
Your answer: 3h37
